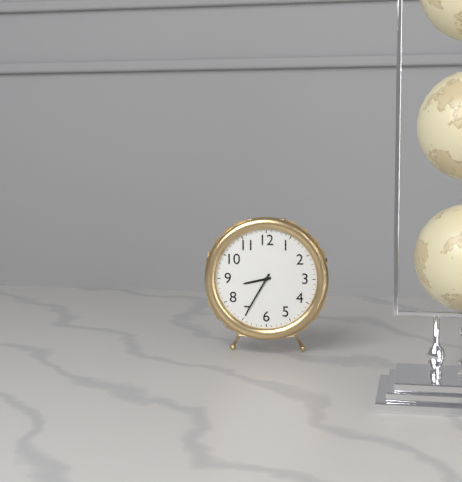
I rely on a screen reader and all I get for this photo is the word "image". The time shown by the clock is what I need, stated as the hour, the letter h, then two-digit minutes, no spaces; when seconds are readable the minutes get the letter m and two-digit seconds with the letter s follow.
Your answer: 8h35
